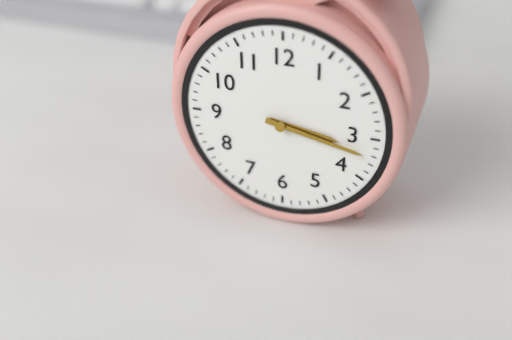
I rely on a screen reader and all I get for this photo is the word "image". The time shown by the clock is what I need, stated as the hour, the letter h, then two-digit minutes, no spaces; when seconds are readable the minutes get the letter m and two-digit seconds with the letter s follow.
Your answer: 3h17
